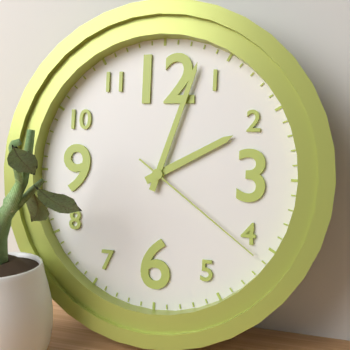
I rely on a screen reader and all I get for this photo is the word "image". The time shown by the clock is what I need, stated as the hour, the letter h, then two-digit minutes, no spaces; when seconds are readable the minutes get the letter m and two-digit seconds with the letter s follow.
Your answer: 2h03m21s
